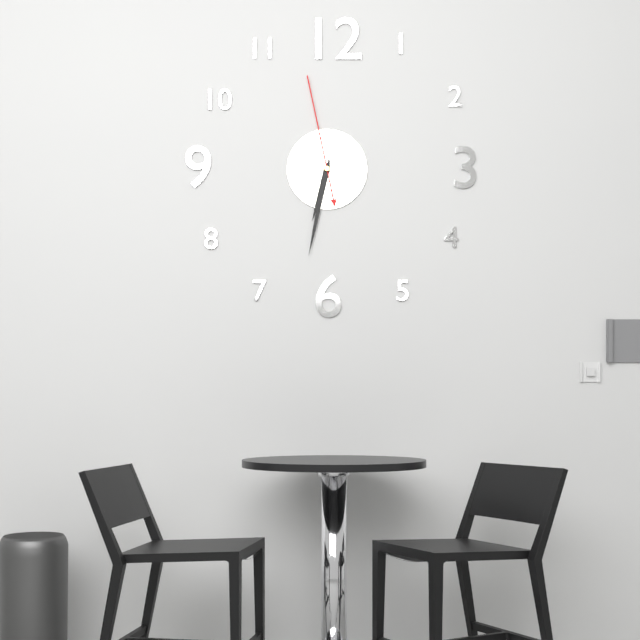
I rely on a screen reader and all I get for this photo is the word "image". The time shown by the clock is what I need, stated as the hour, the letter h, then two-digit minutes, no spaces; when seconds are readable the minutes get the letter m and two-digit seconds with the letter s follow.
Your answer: 6h32m58s
